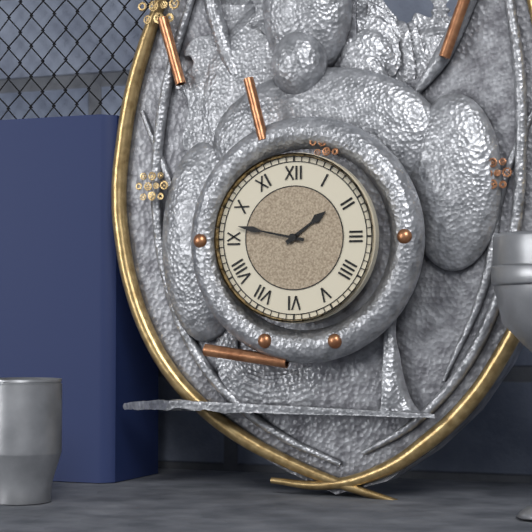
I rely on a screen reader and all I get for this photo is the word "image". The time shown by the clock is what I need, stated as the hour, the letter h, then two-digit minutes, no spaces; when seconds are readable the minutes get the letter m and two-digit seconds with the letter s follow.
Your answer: 1h47
